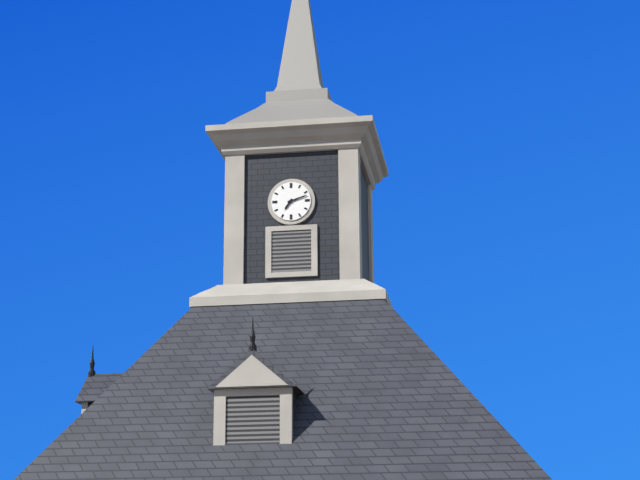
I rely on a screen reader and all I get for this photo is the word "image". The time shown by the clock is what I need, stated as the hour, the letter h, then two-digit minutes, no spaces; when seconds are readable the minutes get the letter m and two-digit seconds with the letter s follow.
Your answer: 7h12
